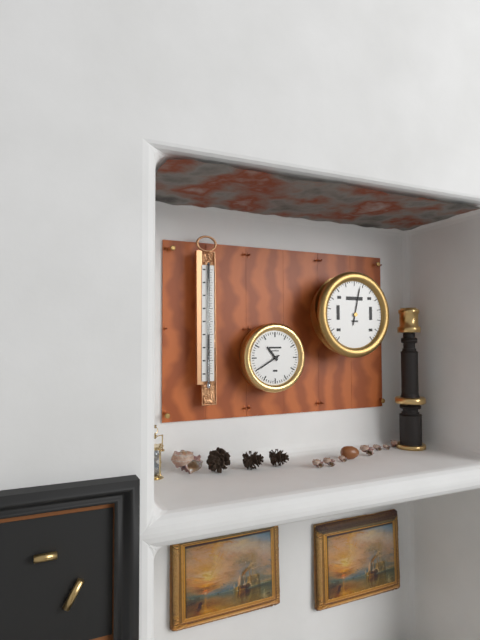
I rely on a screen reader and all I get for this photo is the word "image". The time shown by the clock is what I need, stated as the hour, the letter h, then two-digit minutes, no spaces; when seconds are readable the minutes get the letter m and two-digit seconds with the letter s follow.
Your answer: 10h40
